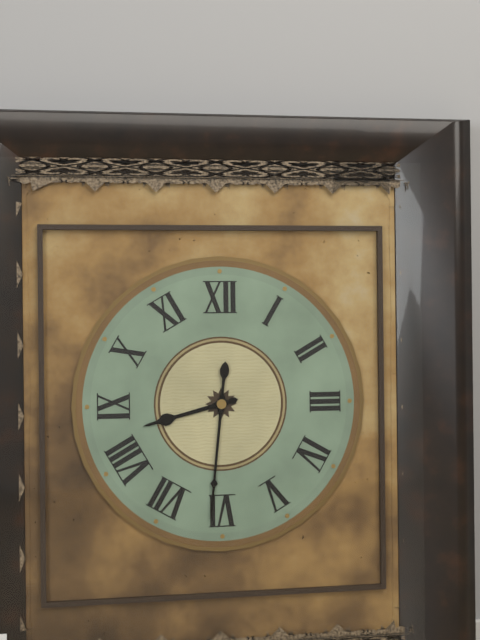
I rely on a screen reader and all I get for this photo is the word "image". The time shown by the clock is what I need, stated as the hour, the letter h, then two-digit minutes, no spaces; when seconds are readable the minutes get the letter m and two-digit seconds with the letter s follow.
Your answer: 8h31
